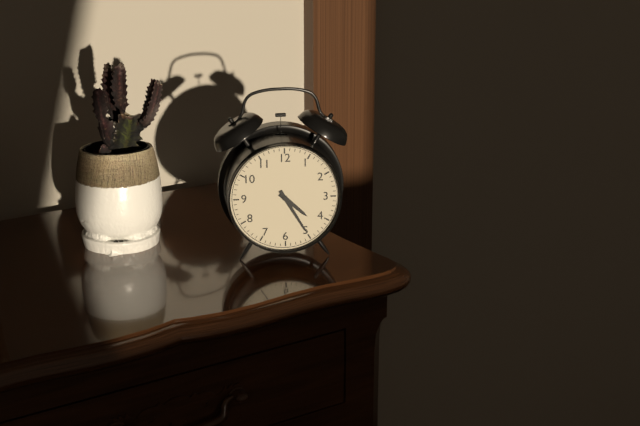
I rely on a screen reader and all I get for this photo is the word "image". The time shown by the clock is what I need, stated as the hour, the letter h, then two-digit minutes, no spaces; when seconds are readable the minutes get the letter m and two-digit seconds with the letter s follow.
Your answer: 4h25
